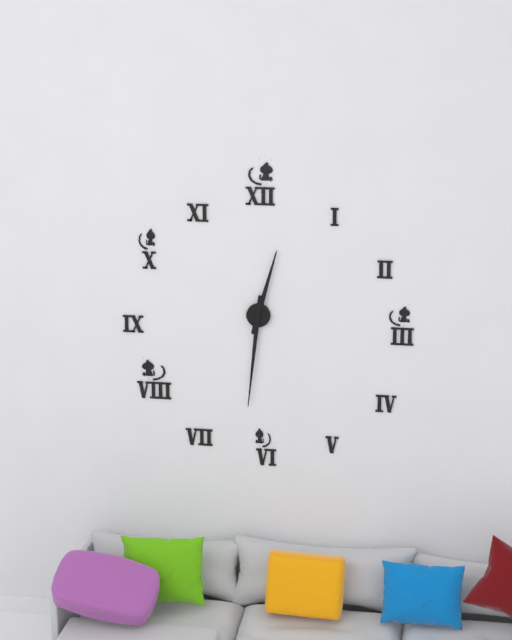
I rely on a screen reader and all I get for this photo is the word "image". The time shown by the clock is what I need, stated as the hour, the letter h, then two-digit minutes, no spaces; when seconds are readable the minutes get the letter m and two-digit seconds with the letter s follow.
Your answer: 12h31
